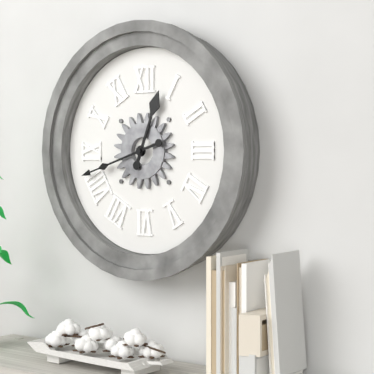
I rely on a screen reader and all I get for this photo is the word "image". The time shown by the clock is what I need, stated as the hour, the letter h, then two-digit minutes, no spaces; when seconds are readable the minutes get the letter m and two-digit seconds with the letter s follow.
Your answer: 12h42
